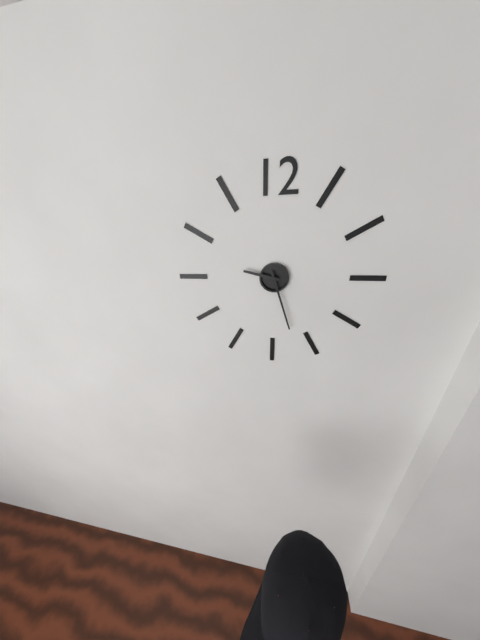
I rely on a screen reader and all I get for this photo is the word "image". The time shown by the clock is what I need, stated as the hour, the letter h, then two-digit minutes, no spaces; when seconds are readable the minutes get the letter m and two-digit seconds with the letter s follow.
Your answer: 9h27
